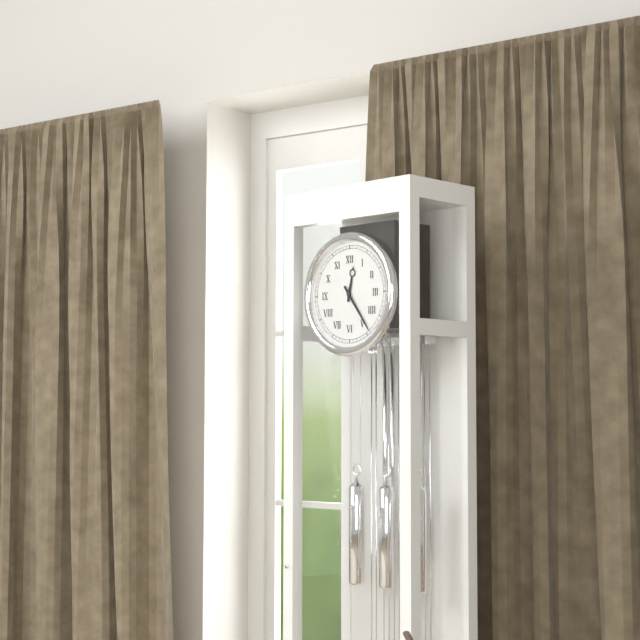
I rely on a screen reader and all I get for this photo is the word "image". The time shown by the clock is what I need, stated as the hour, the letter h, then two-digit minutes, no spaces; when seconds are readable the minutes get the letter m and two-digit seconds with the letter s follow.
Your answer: 12h24
